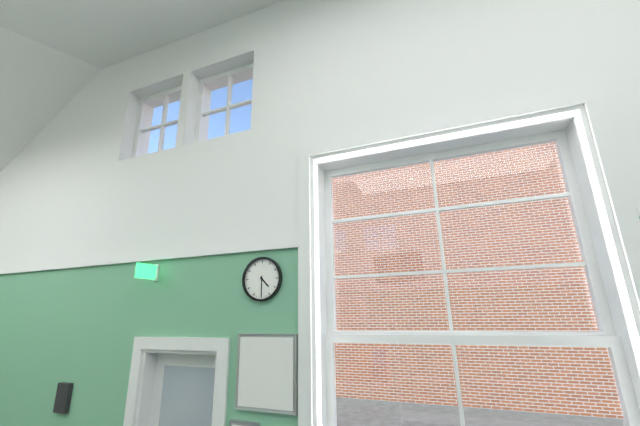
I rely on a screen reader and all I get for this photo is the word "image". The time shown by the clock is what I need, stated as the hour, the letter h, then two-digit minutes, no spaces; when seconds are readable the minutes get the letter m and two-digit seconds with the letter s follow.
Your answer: 4h30
